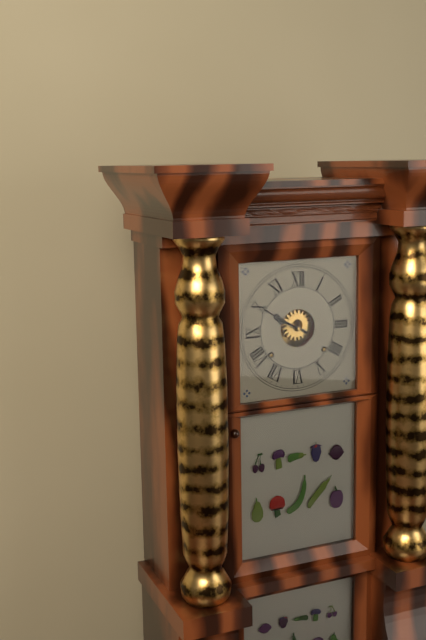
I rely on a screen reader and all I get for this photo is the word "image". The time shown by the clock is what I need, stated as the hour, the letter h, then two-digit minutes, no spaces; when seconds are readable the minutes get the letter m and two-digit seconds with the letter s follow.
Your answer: 9h50
